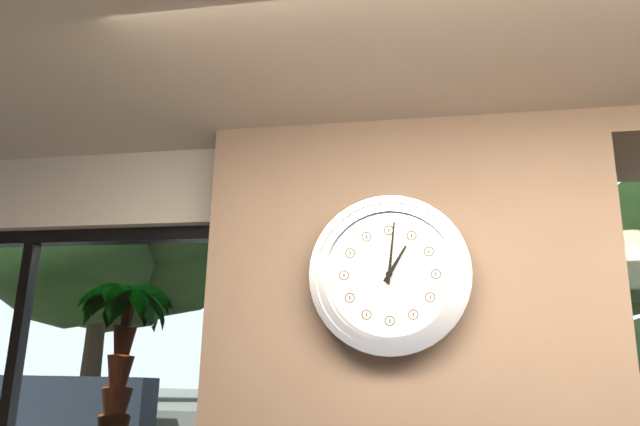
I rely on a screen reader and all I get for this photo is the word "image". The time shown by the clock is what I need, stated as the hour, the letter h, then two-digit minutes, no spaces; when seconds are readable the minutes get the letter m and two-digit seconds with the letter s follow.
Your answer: 1h01
